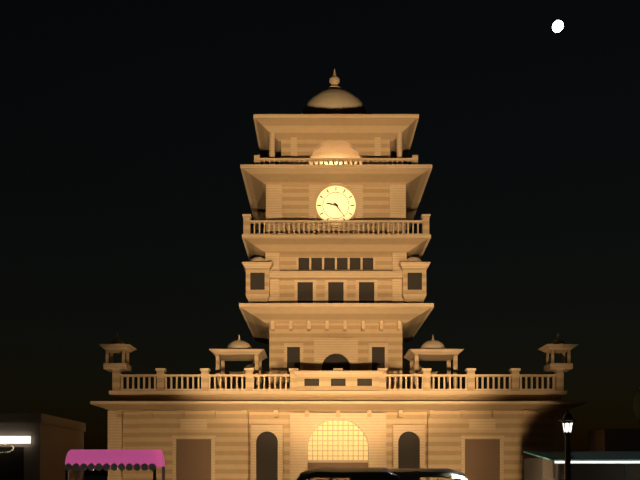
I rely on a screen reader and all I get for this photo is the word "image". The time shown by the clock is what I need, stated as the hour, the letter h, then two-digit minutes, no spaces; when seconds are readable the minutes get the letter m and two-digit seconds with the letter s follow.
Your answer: 9h24
